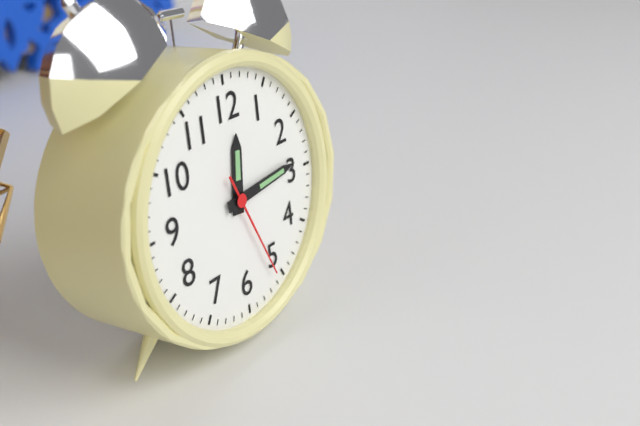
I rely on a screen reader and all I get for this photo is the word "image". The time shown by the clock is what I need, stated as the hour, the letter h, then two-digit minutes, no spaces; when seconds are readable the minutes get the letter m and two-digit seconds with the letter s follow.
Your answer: 12h14m26s
